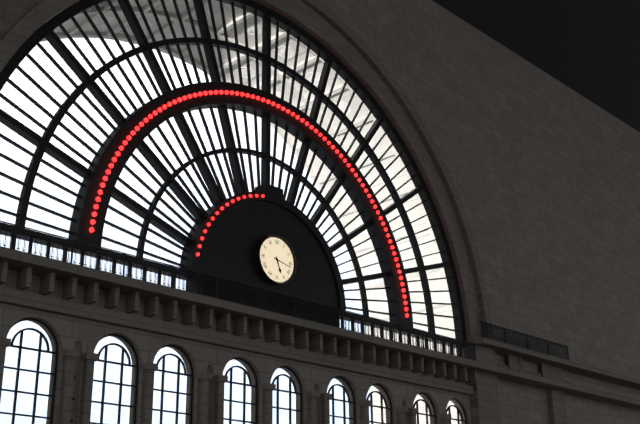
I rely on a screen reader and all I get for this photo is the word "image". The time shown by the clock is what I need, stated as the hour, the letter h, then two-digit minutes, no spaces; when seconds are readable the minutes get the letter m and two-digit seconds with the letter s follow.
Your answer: 5h17
